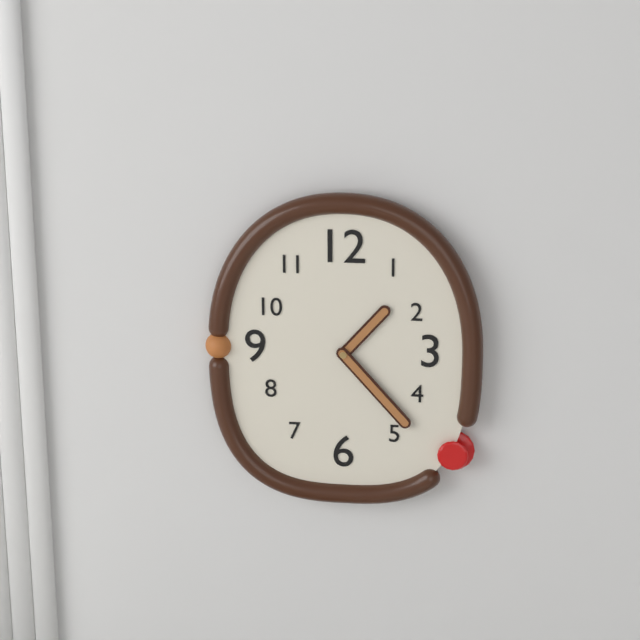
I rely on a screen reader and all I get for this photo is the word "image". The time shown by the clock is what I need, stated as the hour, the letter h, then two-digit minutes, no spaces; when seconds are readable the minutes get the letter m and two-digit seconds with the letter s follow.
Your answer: 1h23
